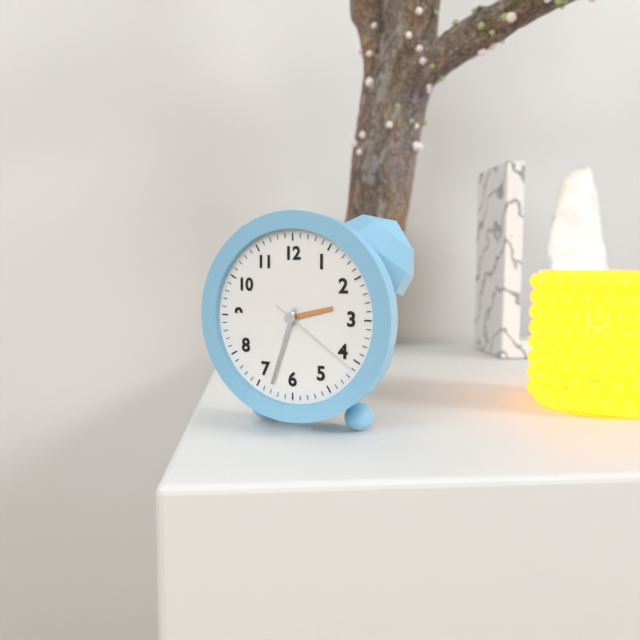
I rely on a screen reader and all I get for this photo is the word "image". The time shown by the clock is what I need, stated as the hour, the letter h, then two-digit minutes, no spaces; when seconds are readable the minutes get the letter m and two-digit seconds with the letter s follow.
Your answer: 2h33m21s
